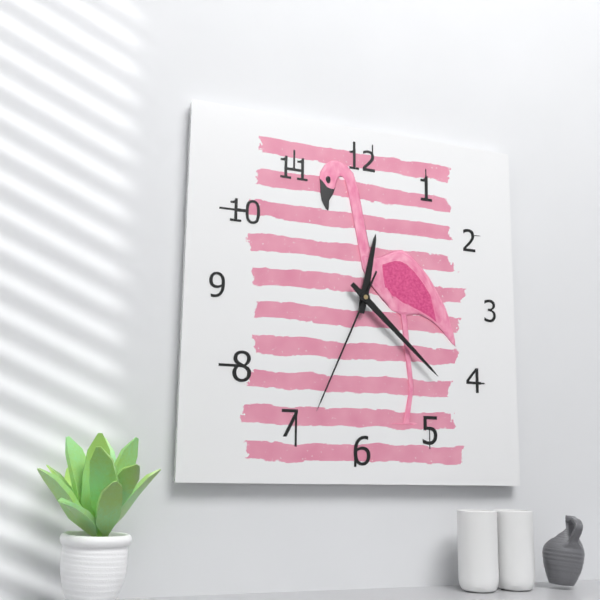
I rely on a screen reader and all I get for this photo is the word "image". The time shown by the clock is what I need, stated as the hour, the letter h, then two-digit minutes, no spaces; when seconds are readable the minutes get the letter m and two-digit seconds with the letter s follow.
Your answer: 12h22m34s
